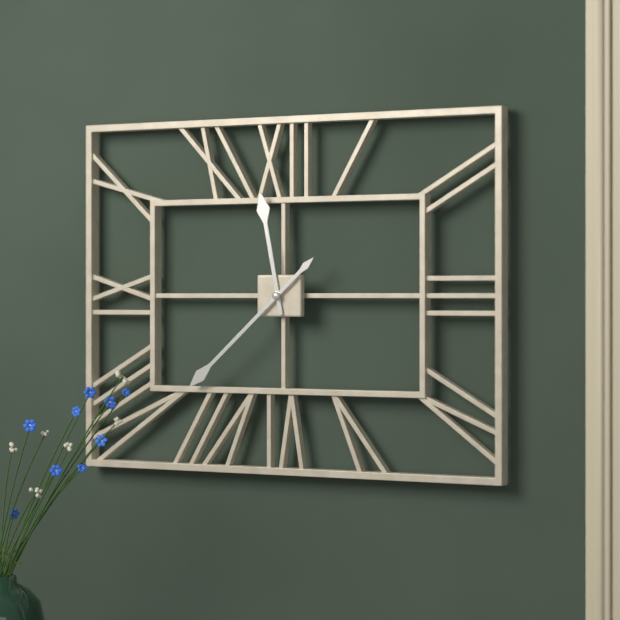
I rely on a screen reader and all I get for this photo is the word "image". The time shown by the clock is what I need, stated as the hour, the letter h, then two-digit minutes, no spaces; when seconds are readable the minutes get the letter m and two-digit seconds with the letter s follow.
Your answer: 11h38
